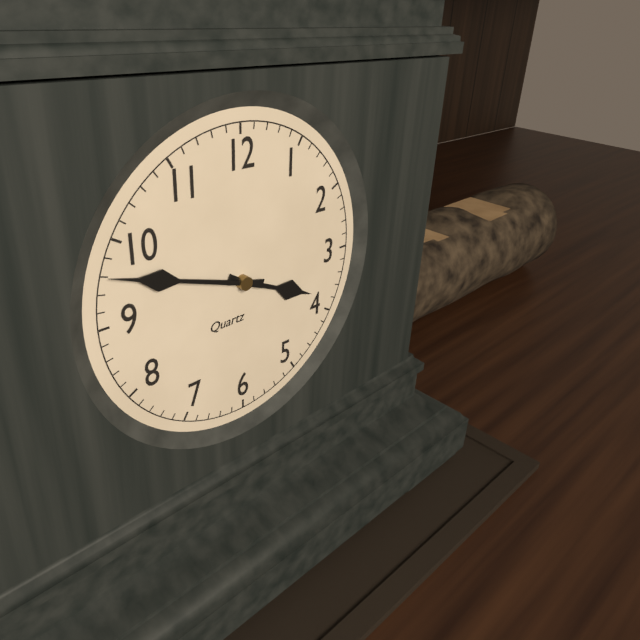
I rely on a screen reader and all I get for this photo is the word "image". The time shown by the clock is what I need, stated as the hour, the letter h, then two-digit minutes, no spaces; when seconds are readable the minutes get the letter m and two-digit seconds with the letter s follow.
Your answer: 3h48
